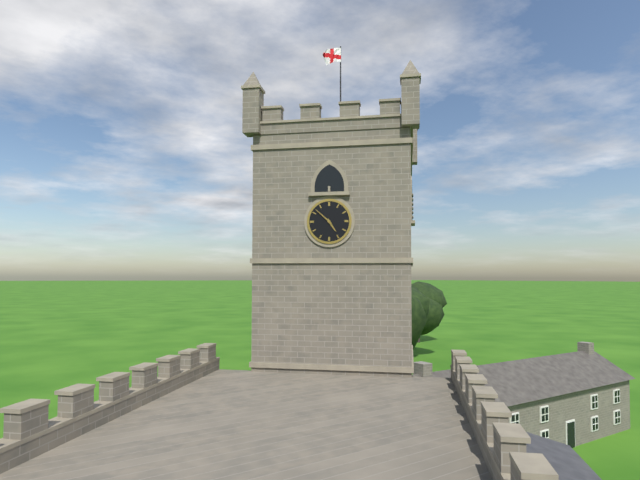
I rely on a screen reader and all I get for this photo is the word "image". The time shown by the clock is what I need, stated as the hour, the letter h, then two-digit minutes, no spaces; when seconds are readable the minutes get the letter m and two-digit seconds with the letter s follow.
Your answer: 4h52
